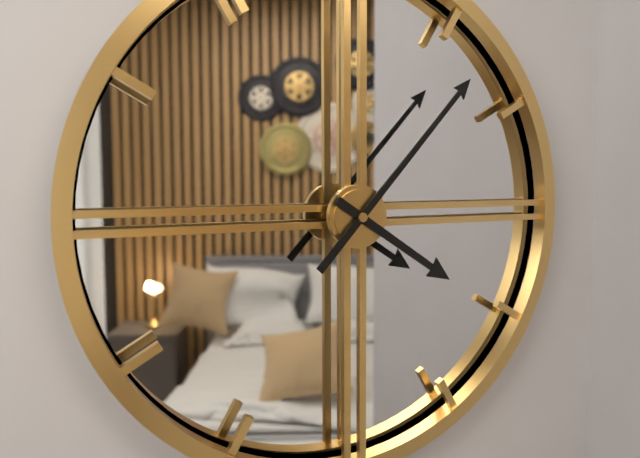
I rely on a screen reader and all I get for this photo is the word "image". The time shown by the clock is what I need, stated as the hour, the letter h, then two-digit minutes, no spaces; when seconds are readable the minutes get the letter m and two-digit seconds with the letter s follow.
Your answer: 4h07
